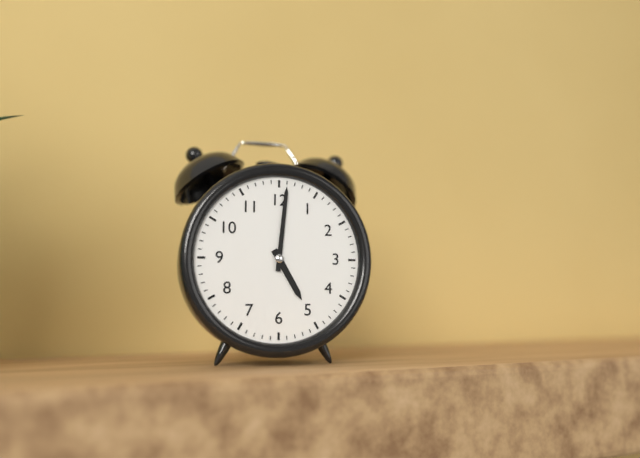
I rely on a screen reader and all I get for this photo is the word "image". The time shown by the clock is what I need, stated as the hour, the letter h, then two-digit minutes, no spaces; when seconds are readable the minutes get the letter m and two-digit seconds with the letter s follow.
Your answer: 5h01
